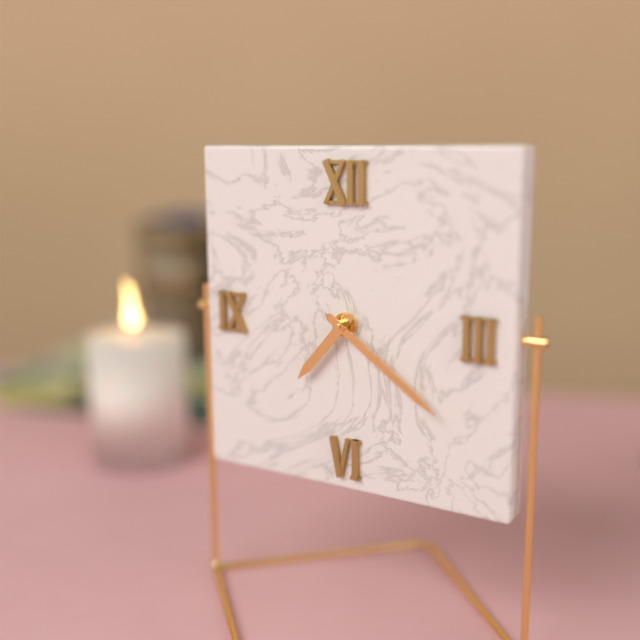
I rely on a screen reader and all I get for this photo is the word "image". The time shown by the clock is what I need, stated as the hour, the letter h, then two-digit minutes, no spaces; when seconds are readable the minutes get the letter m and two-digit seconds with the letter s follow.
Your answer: 7h21
